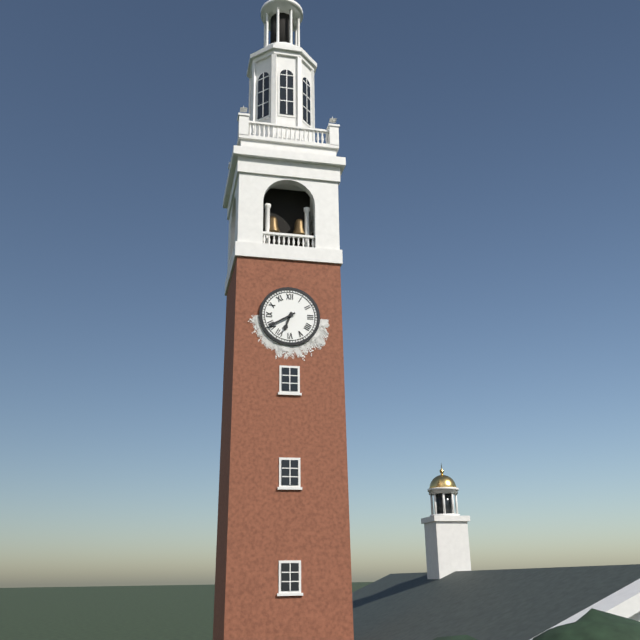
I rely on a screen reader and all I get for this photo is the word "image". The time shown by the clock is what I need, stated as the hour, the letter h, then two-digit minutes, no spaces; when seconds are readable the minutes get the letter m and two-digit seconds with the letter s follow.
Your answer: 6h40
